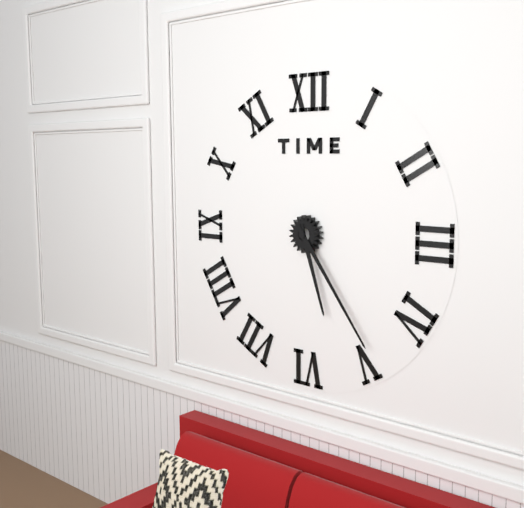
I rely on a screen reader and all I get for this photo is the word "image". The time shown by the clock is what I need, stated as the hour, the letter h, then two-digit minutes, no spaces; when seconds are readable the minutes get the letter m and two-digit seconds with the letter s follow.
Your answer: 5h24
